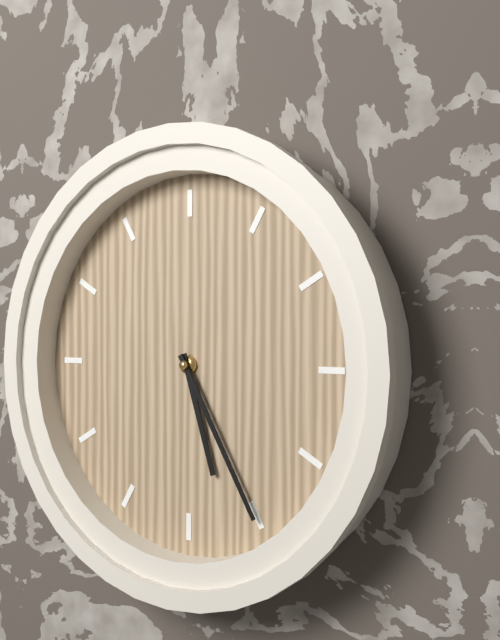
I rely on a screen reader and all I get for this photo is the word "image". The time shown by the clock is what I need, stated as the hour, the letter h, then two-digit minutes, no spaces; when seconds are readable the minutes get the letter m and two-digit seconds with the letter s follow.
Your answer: 5h25
